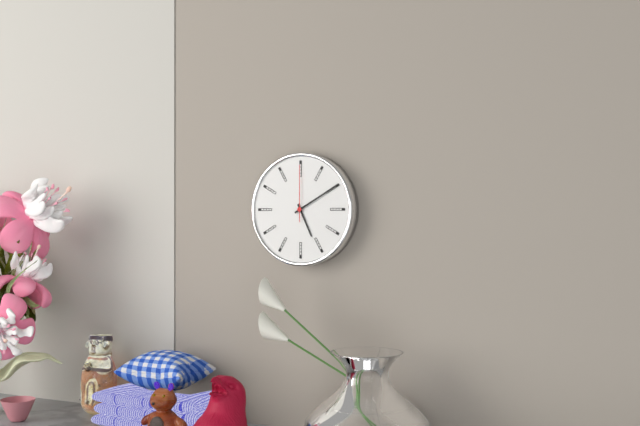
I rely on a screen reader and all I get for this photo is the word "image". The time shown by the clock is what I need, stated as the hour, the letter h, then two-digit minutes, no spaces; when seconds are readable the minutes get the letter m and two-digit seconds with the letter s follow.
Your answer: 5h10m00s
